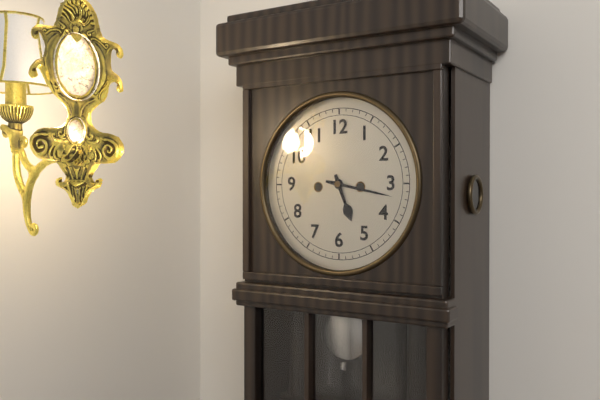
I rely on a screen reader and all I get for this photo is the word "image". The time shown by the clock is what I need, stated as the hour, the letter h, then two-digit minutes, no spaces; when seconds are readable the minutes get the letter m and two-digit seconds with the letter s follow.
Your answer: 5h17
